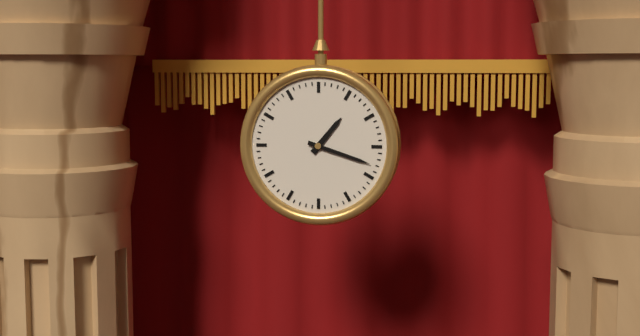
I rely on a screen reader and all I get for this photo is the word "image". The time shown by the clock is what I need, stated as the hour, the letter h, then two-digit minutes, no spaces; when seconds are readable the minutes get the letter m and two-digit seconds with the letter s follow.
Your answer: 1h18
